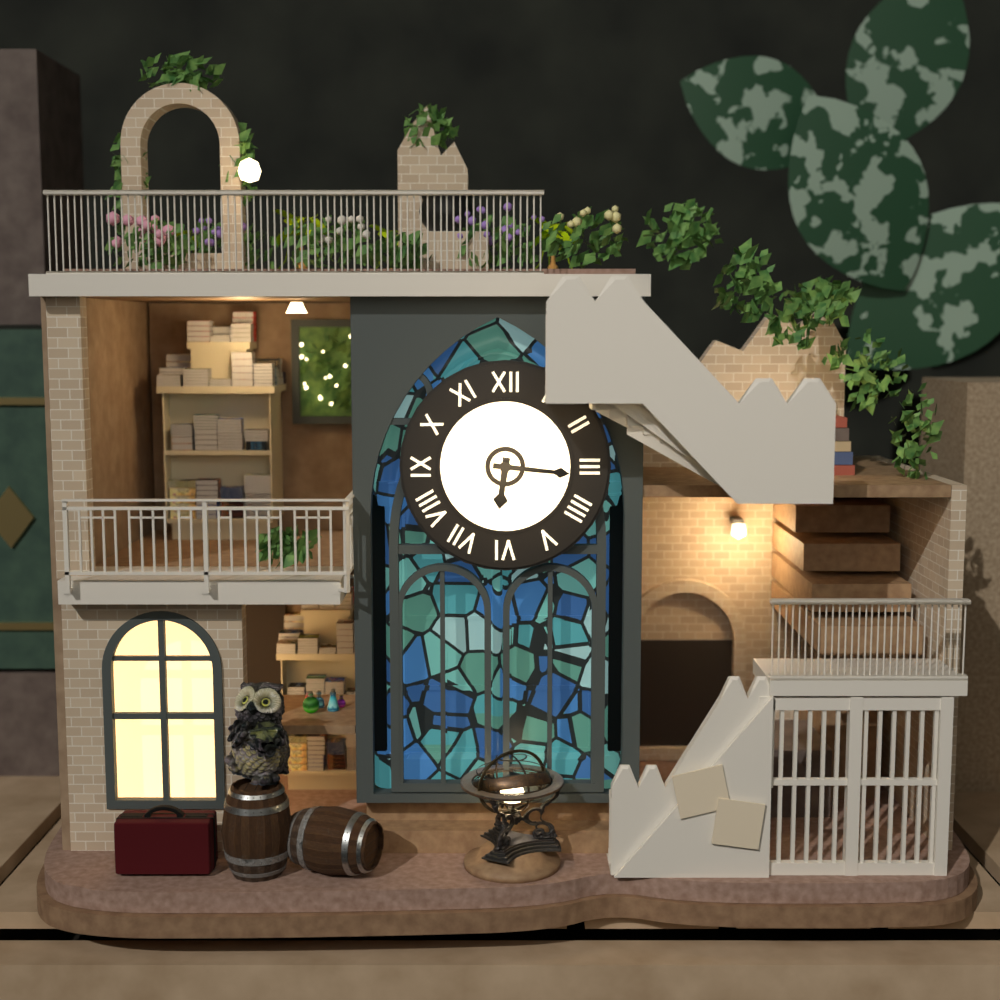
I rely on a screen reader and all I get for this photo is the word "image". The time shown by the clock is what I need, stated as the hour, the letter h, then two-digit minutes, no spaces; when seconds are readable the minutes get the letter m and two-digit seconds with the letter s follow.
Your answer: 6h16
